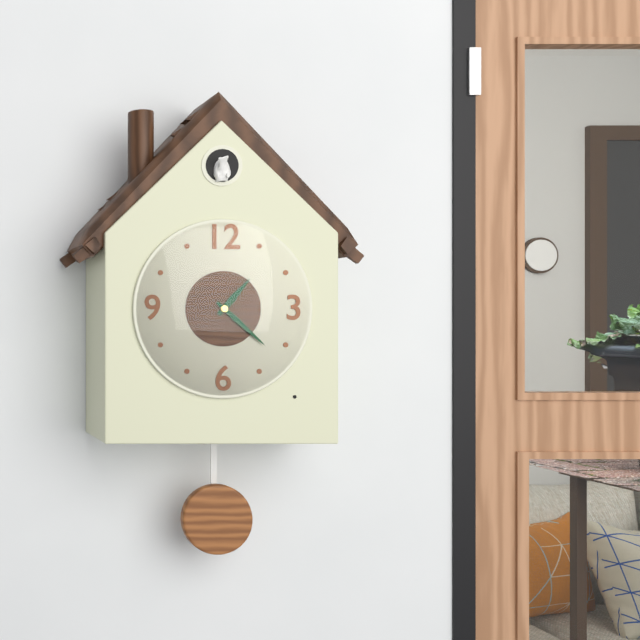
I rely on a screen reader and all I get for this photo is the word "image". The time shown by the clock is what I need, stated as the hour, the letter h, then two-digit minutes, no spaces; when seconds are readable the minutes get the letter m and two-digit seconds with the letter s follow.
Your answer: 1h22
